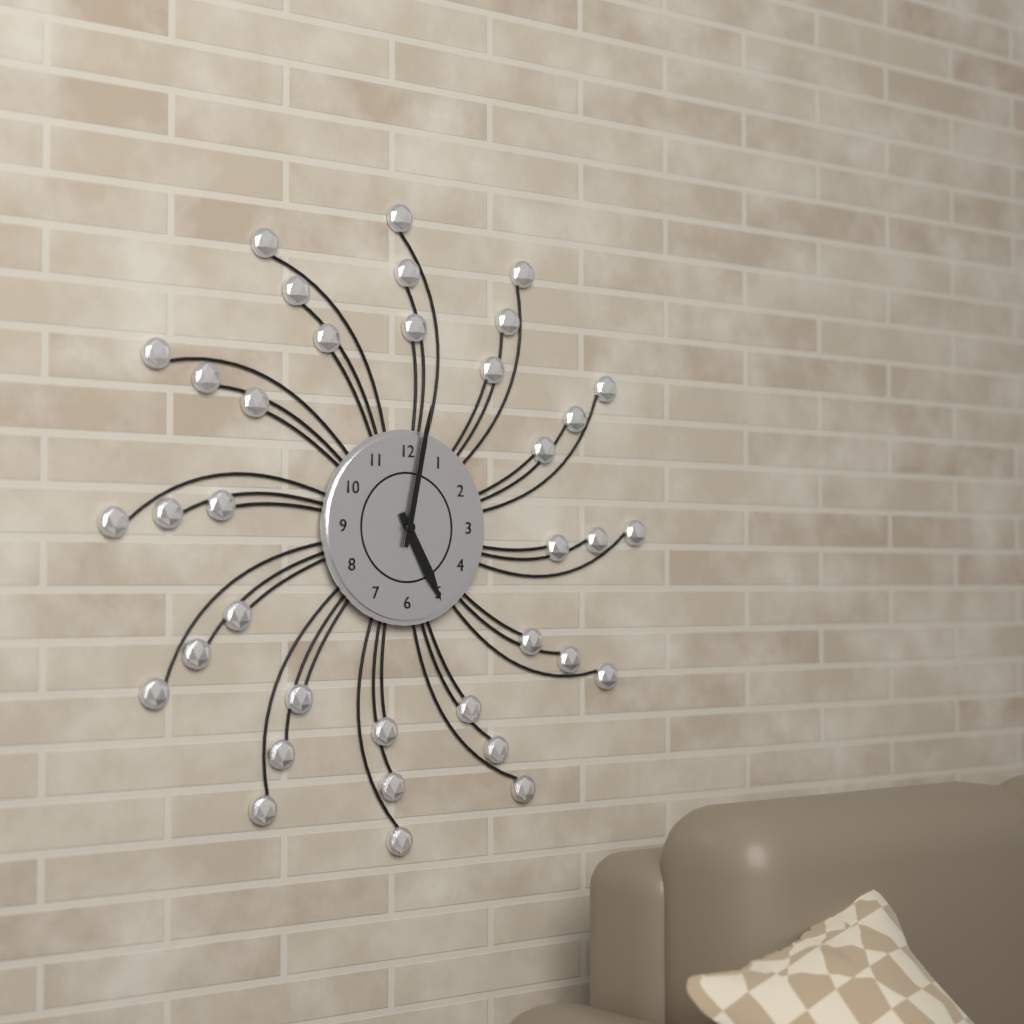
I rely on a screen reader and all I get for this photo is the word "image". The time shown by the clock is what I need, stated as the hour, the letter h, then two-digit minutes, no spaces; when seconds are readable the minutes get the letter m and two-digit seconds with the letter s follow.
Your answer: 5h02
